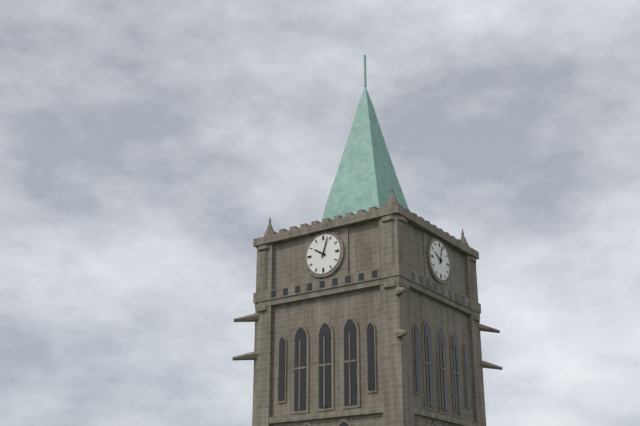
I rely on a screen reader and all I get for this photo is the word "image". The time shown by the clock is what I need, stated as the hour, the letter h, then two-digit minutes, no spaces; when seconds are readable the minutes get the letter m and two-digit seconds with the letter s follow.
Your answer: 10h03
